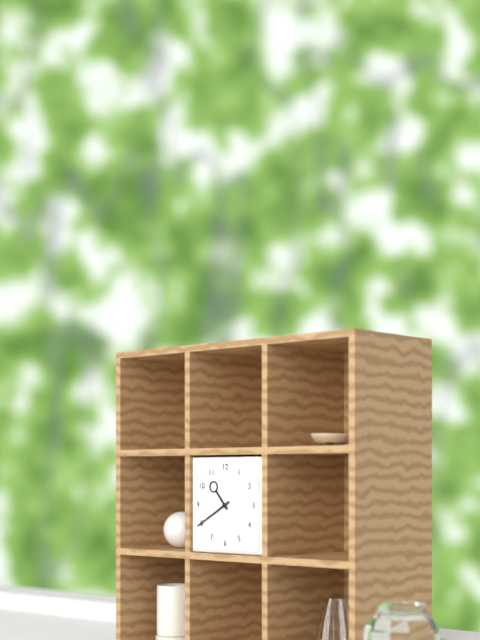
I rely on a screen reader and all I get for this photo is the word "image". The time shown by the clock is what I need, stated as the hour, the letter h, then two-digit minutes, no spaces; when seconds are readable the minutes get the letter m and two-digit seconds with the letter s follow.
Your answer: 10h40
